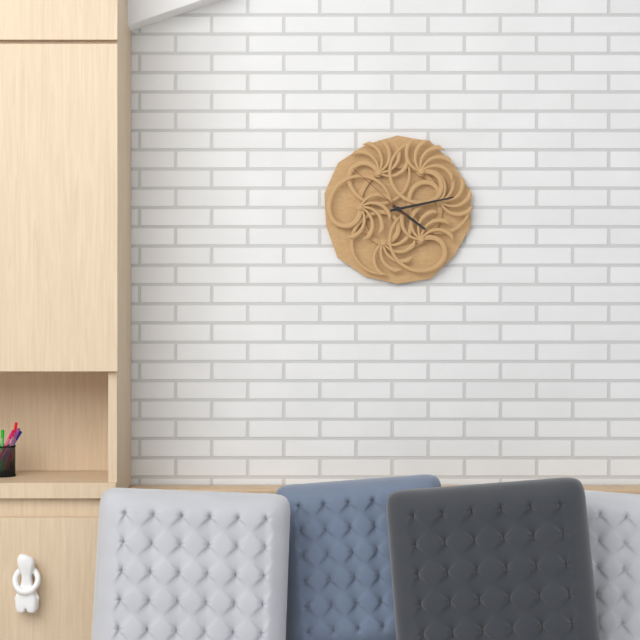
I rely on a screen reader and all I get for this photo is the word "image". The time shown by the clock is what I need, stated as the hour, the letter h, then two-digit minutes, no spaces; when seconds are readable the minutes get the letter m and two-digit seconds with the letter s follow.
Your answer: 4h13m52s
